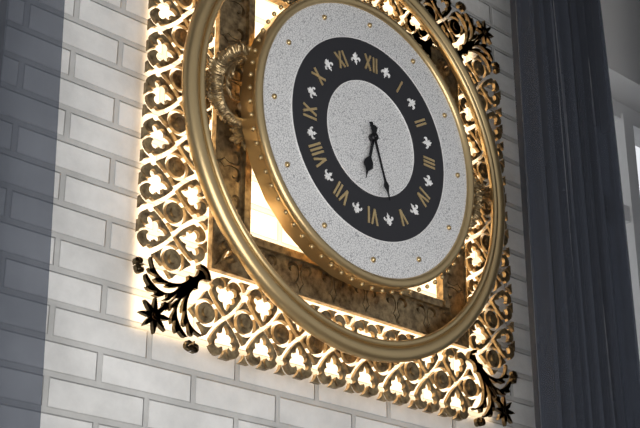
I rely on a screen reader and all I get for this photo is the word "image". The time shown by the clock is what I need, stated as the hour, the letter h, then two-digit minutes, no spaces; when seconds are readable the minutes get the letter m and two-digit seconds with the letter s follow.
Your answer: 6h27
